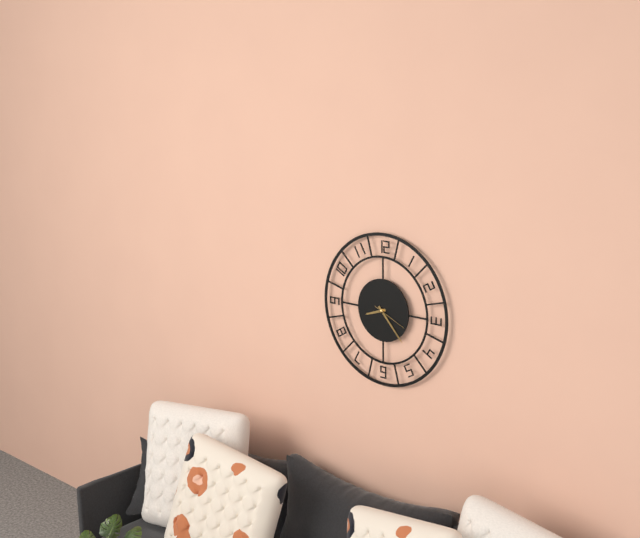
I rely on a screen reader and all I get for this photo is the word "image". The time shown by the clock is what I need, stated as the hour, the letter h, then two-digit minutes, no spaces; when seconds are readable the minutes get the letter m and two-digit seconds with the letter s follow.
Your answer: 8h23
